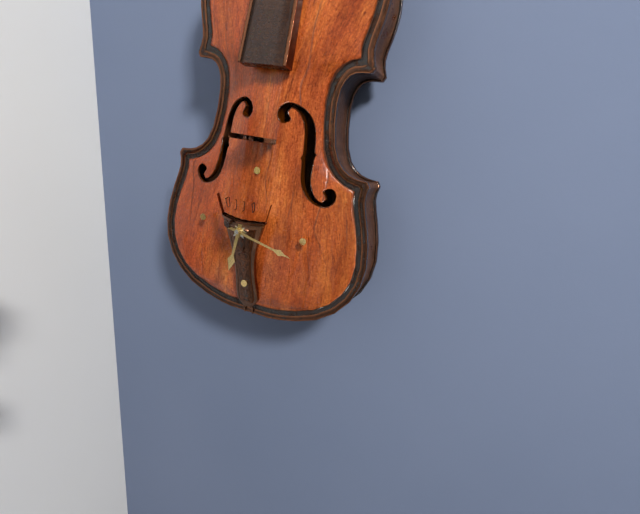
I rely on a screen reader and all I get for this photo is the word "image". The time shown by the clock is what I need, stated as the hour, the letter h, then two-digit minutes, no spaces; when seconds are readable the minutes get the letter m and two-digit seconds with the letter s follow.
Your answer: 6h17
